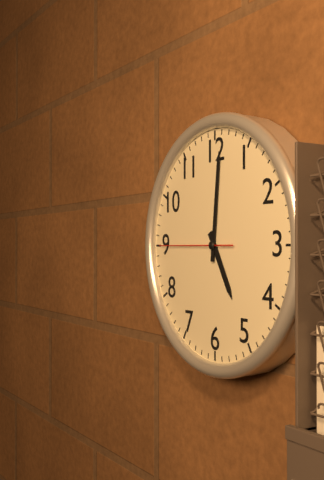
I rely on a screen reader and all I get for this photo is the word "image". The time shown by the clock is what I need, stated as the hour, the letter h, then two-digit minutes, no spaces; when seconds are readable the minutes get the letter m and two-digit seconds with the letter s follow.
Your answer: 5h01m45s
